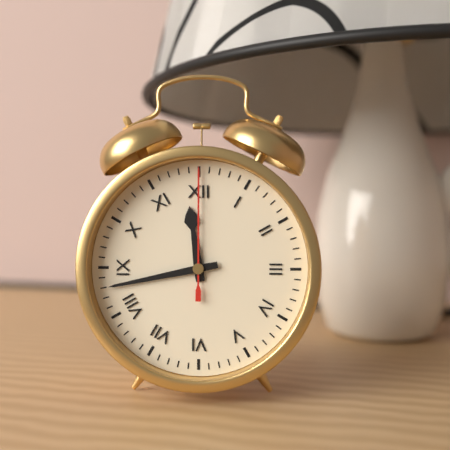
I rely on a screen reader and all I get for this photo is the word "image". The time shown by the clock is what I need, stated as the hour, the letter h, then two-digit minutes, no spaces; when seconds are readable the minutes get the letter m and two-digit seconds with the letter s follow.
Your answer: 11h43m00s
